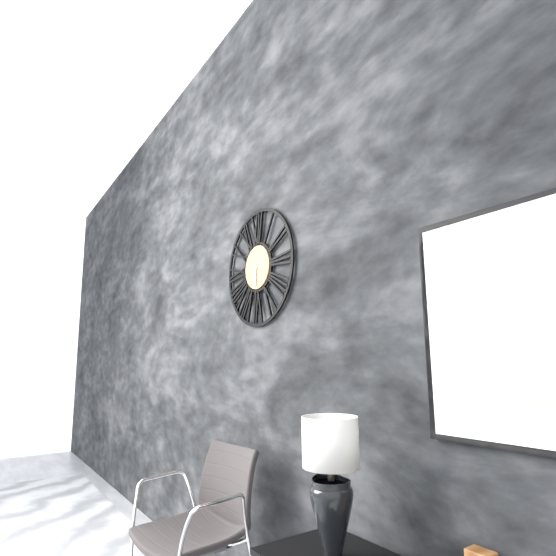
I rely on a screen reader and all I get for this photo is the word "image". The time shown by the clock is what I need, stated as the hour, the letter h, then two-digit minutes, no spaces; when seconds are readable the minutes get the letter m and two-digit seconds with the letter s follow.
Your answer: 1h31
